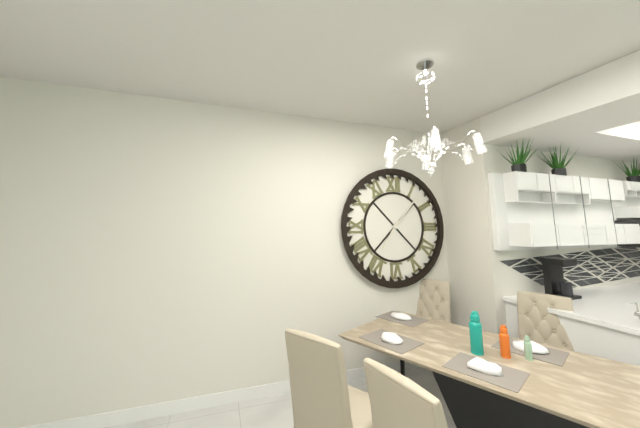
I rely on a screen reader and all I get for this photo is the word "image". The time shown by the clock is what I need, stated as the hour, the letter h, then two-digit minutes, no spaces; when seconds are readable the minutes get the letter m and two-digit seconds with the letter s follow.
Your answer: 7h07
